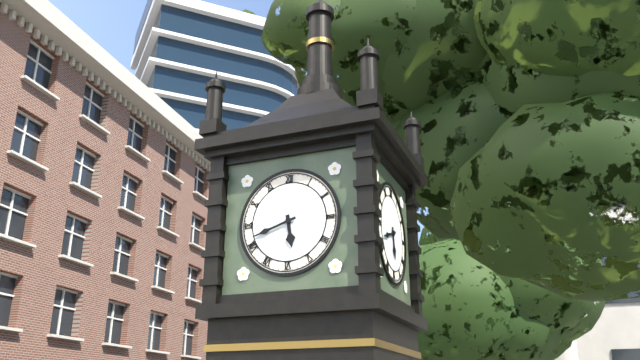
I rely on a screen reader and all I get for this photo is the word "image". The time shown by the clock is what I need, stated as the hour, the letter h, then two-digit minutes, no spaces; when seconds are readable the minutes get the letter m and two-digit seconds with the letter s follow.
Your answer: 5h42
